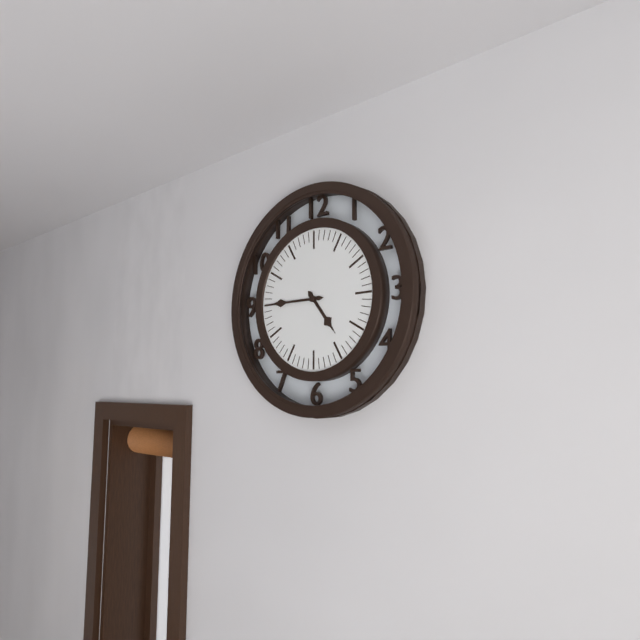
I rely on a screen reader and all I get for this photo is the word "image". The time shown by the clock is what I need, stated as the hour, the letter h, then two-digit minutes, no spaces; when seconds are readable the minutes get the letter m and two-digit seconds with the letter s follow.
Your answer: 4h45
